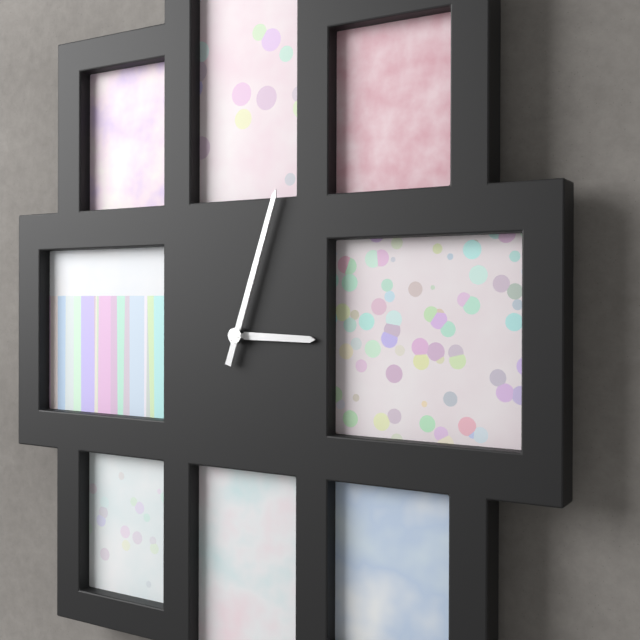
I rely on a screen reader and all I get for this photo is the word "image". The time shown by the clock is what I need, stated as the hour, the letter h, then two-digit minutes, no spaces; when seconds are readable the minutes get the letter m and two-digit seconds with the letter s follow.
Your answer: 3h03
